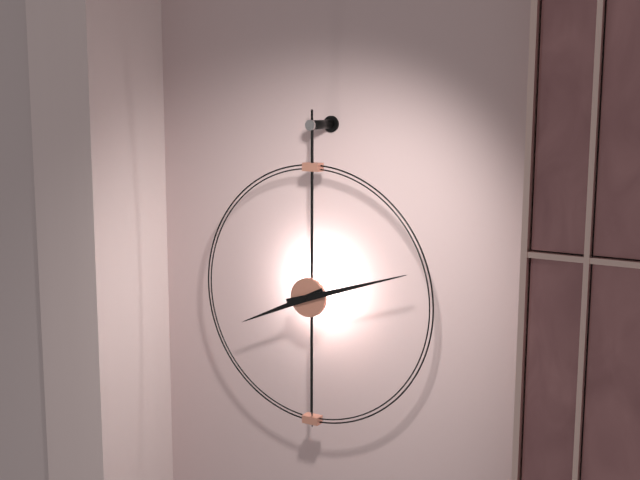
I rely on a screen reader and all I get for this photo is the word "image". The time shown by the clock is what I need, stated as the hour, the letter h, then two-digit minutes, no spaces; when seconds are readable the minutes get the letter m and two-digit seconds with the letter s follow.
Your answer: 8h12
